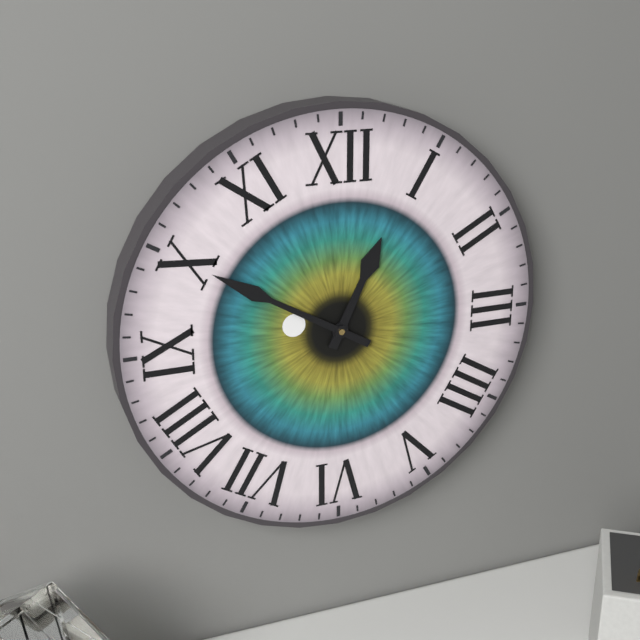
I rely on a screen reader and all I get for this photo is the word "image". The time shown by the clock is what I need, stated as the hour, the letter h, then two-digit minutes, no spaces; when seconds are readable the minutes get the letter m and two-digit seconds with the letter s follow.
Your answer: 12h50
